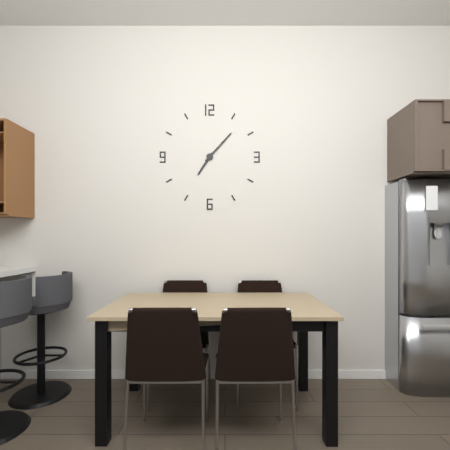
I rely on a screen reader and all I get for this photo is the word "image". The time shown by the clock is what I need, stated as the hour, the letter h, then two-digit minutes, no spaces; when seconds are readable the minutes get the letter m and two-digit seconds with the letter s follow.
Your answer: 7h07
